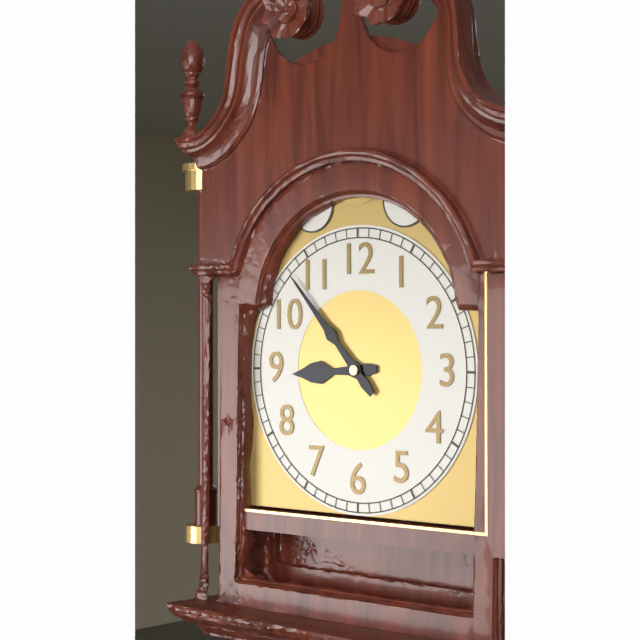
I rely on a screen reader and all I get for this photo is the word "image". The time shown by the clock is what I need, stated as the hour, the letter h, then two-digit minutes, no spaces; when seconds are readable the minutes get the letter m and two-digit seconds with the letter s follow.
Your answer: 8h53
